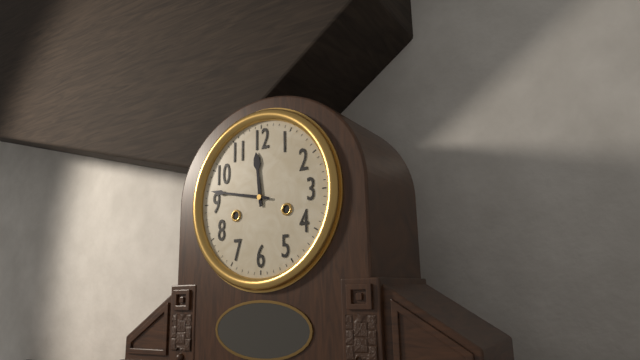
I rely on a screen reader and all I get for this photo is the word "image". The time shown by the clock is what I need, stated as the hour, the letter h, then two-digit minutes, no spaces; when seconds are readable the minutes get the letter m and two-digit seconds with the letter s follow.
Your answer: 11h47
